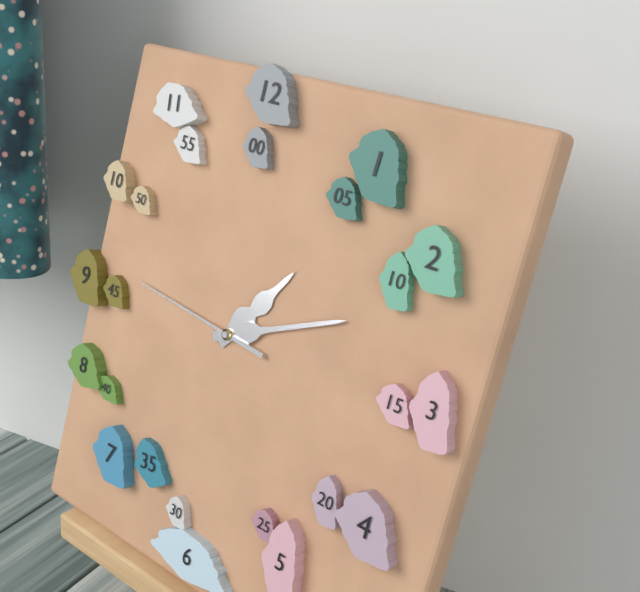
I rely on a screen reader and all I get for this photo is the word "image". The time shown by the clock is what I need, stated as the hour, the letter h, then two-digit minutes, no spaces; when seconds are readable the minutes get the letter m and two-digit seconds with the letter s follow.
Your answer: 1h11m46s
